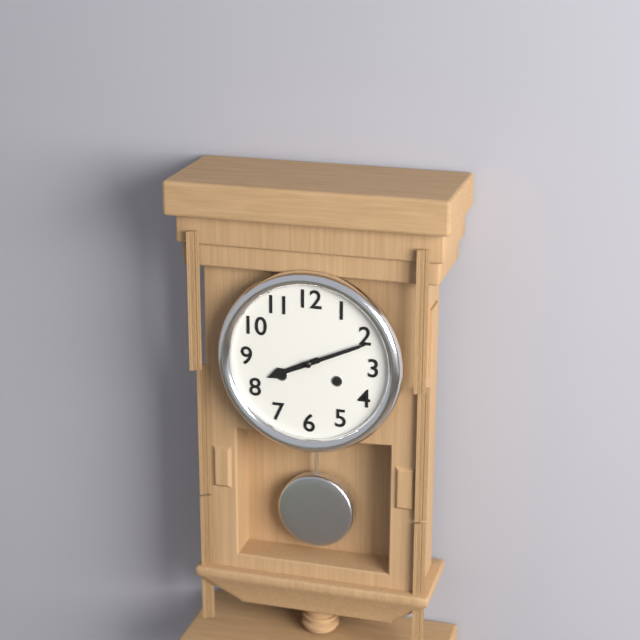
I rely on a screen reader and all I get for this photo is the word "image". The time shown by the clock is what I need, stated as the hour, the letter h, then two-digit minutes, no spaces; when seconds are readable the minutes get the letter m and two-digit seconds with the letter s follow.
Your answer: 8h11
